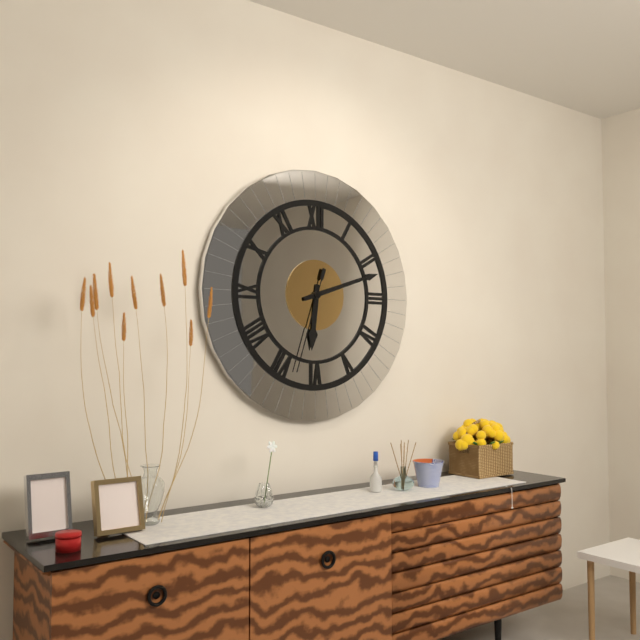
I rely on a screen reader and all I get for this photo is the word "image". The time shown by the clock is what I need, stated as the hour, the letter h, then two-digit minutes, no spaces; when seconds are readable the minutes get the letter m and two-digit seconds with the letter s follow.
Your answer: 6h12m33s
